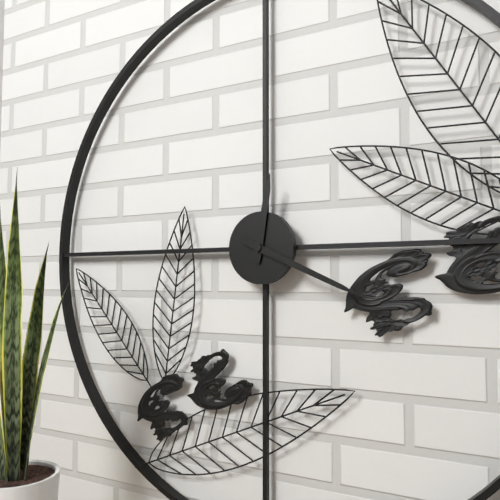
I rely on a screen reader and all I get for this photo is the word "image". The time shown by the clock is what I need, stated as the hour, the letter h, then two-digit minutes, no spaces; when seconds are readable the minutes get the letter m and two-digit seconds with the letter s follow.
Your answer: 12h19
